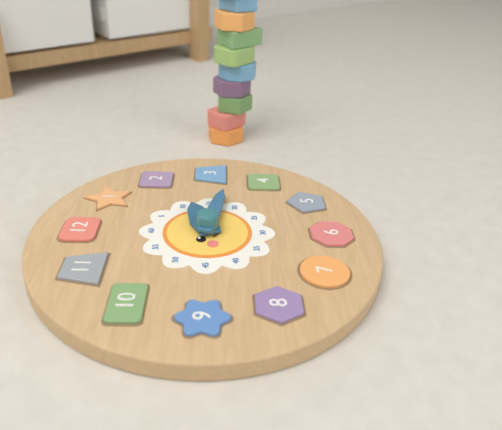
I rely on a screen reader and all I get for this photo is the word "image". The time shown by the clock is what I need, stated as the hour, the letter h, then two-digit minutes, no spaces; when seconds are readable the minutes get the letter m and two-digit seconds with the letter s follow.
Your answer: 2h17
